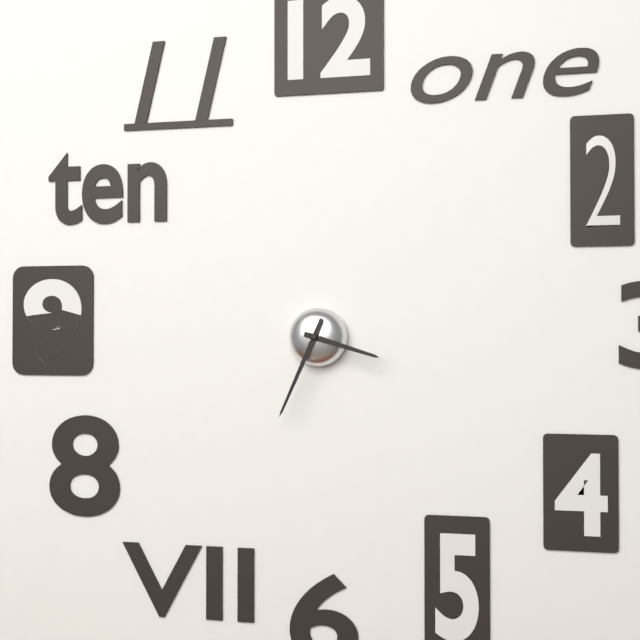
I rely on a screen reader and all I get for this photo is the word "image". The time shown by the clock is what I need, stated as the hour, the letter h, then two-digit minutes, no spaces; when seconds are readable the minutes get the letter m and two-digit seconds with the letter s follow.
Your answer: 3h34
